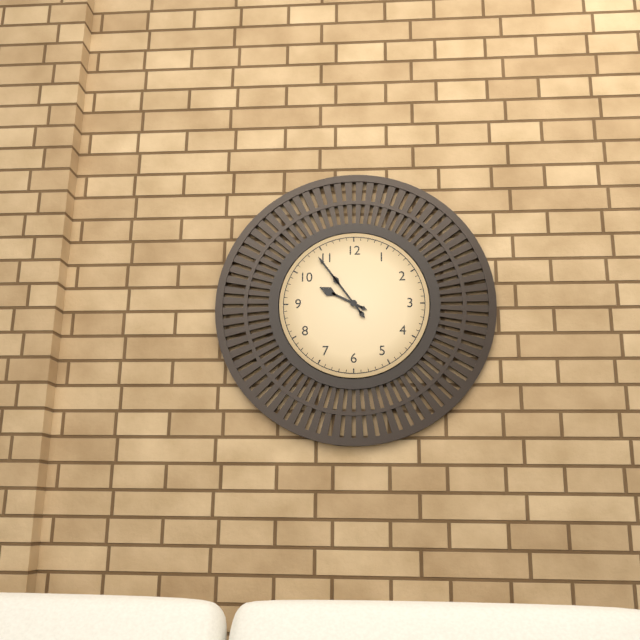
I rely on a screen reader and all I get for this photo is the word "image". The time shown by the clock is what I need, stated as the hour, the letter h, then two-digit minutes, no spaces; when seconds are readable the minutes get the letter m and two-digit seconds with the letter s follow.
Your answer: 9h54
